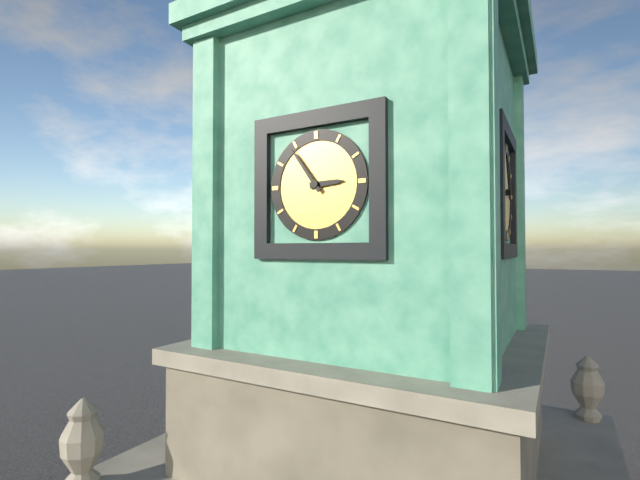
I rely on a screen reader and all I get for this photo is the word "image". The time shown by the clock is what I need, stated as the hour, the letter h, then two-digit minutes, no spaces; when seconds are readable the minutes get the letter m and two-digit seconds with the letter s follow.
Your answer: 2h54
